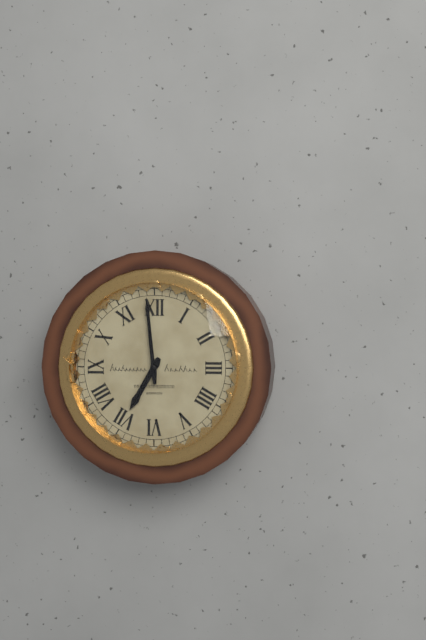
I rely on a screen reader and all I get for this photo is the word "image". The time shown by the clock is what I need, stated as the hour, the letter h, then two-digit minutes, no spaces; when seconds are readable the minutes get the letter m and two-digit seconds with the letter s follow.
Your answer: 6h59
